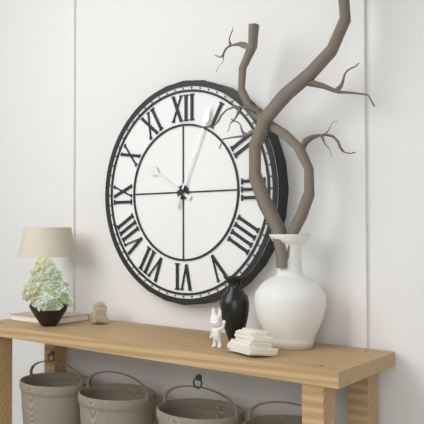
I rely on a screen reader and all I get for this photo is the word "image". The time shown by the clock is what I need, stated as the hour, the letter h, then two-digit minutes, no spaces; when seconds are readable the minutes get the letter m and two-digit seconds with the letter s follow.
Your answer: 10h04
